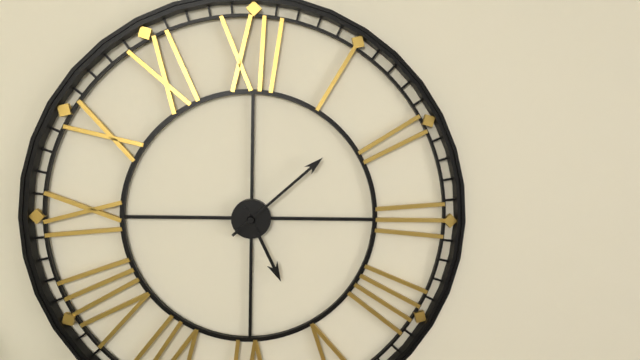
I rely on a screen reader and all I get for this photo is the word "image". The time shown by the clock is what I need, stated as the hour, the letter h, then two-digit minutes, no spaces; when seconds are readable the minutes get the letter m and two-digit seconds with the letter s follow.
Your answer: 5h08
